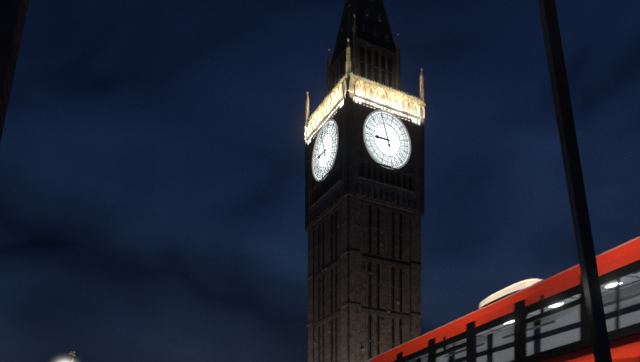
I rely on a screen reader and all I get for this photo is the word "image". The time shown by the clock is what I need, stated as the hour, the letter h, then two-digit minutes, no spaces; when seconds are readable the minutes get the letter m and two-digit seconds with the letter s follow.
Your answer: 8h57
